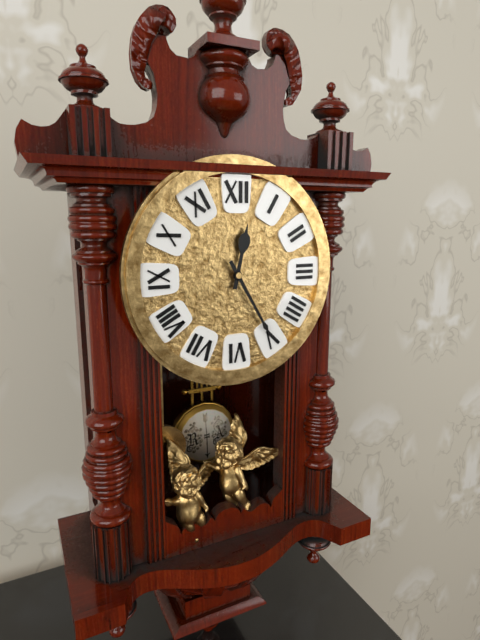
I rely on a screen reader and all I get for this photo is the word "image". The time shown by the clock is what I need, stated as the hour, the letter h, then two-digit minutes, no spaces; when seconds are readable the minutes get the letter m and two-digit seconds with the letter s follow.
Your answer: 12h25
